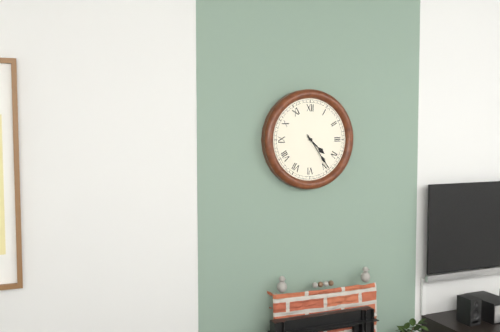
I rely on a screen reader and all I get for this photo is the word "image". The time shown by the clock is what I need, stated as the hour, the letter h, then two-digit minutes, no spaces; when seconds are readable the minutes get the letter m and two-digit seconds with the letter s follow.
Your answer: 4h24
